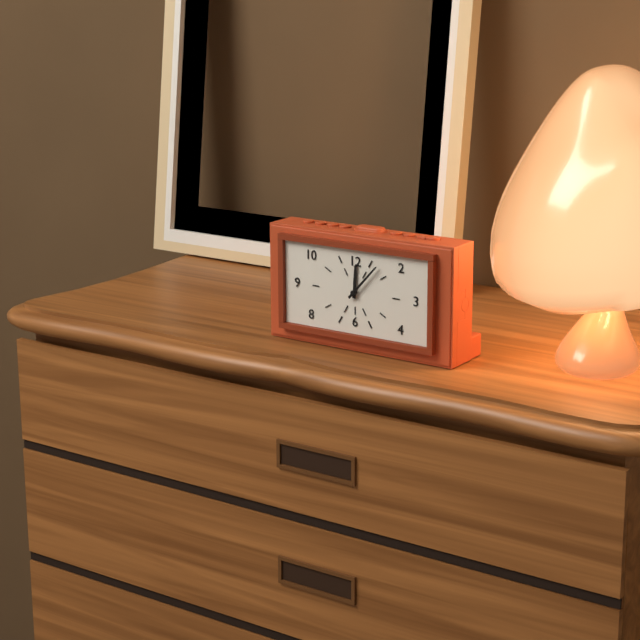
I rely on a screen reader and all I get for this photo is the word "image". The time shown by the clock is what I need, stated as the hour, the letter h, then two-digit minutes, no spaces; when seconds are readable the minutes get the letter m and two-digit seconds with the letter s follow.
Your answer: 12h07
